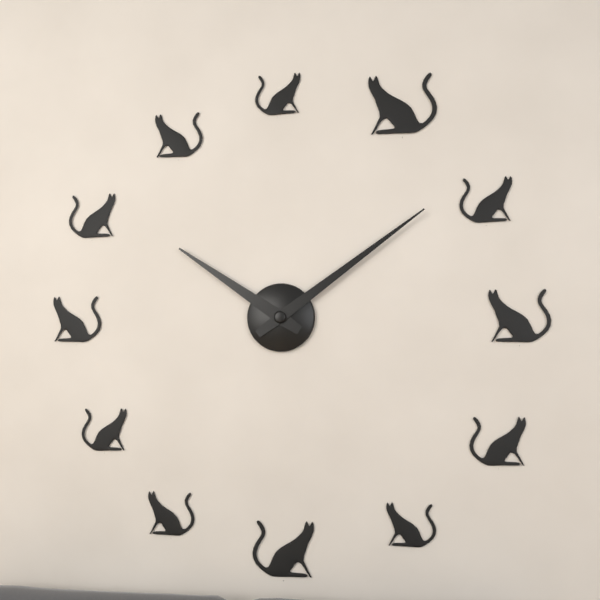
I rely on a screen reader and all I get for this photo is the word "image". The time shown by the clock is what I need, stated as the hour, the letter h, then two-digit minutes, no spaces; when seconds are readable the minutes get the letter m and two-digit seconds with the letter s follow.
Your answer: 10h09
